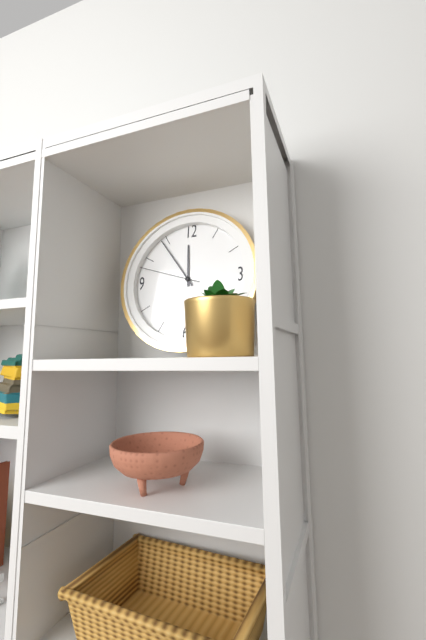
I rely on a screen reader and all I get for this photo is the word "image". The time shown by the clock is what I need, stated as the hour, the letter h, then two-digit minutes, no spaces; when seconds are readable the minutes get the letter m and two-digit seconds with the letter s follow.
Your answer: 11h54m48s
